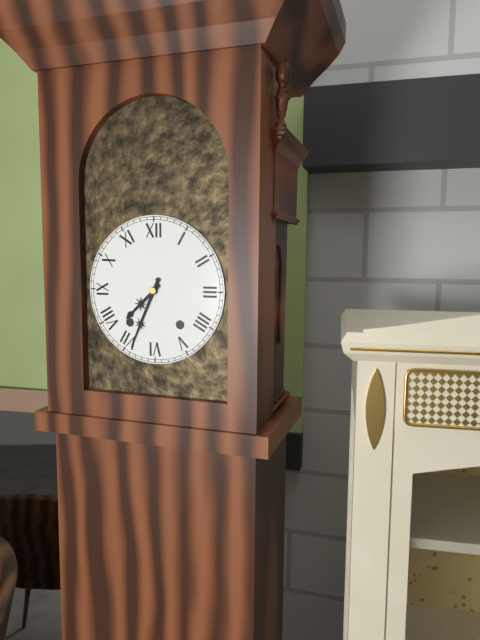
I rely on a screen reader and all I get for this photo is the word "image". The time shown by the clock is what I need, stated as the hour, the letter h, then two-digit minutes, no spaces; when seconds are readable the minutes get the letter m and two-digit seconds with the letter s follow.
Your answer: 7h34
